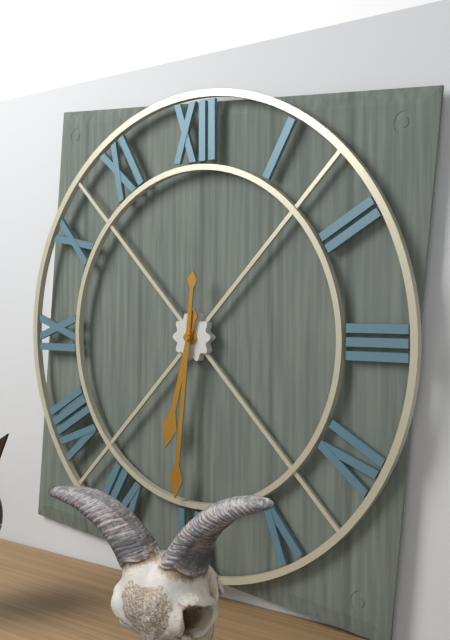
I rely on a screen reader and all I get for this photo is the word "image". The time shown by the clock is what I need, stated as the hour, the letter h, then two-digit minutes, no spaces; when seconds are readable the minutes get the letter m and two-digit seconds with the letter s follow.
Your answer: 6h31
